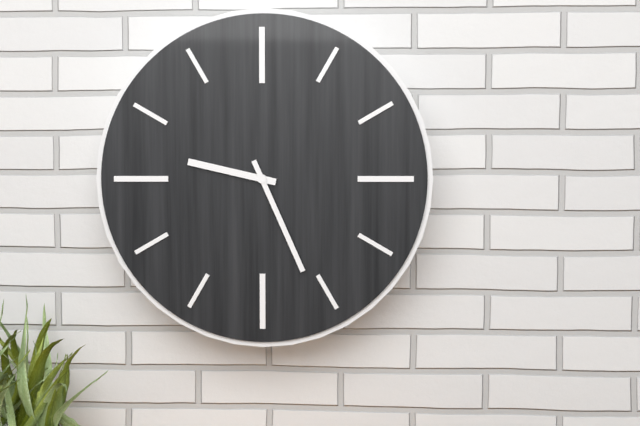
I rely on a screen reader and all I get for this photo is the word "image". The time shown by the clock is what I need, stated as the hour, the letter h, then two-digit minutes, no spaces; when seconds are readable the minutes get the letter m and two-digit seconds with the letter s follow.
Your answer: 9h26
